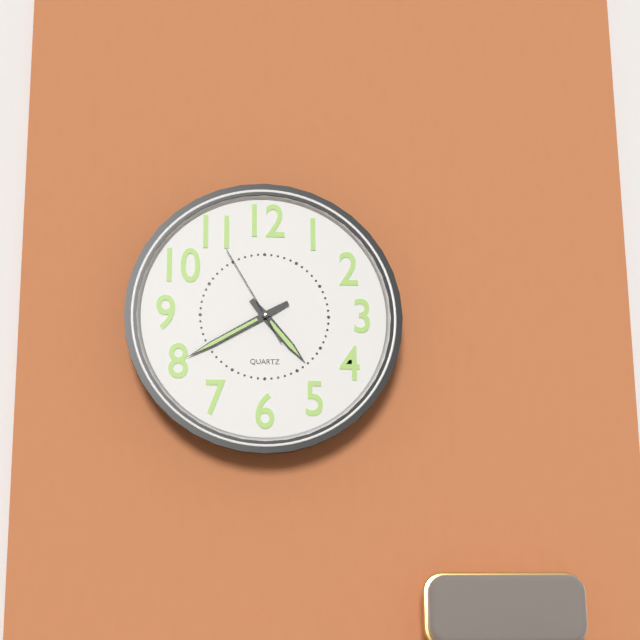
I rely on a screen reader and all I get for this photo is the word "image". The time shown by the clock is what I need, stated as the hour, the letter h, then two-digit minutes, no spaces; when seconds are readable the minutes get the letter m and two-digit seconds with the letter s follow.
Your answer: 4h40m55s
